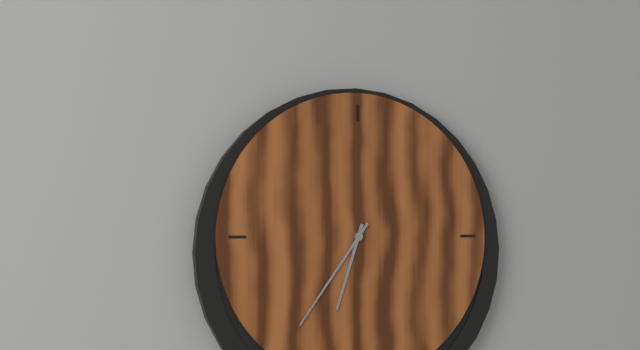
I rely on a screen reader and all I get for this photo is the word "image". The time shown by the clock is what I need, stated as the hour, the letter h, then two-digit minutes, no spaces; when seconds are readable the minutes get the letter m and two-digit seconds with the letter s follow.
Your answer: 6h36
